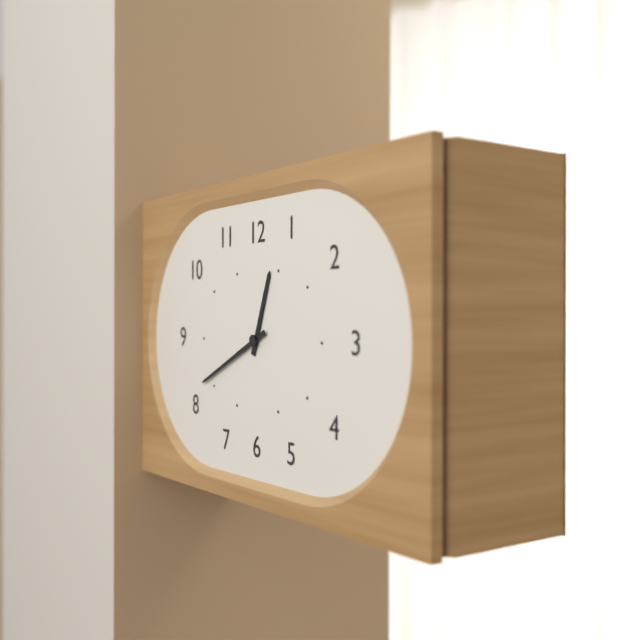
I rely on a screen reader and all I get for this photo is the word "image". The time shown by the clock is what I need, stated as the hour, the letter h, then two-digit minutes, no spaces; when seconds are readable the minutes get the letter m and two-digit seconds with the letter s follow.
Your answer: 12h41
